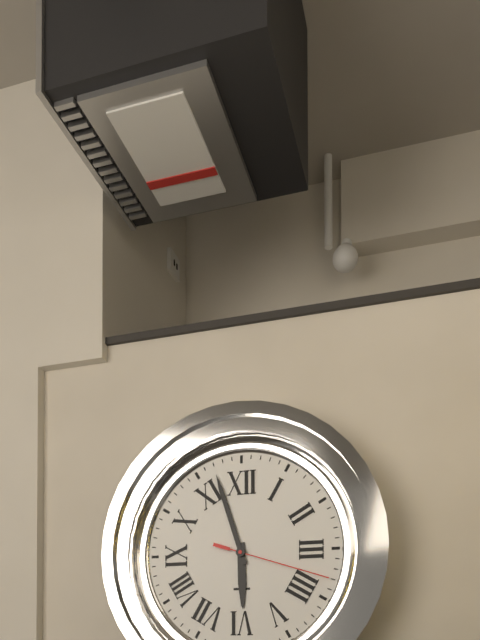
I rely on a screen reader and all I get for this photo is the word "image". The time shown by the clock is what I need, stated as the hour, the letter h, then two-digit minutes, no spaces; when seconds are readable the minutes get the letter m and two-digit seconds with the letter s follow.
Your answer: 5h57m18s
